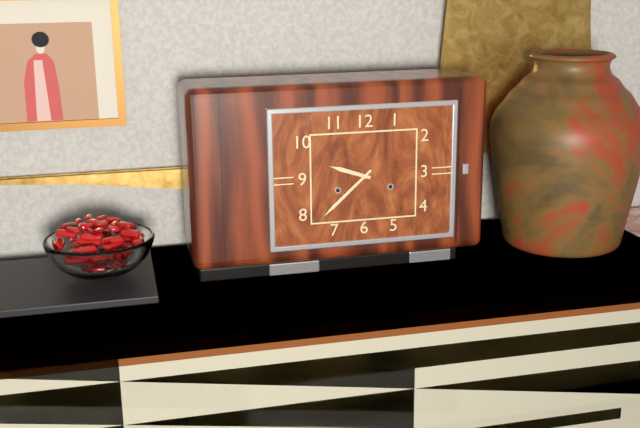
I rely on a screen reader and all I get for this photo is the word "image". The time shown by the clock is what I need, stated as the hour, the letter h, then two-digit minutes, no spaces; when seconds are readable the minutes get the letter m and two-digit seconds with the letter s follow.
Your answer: 9h38
